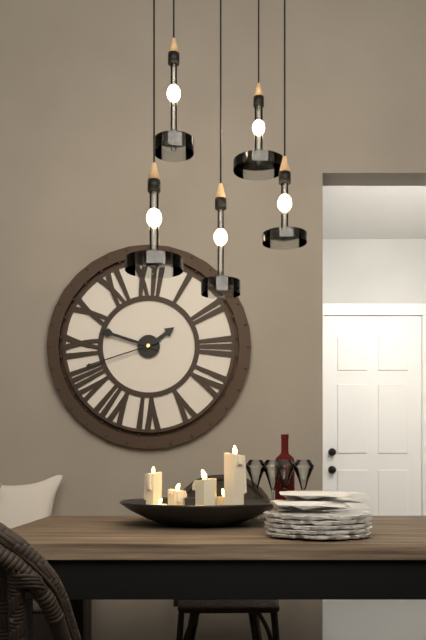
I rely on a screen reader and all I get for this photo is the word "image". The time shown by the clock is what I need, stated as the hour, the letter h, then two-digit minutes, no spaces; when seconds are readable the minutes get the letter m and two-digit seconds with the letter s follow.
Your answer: 1h48m42s
